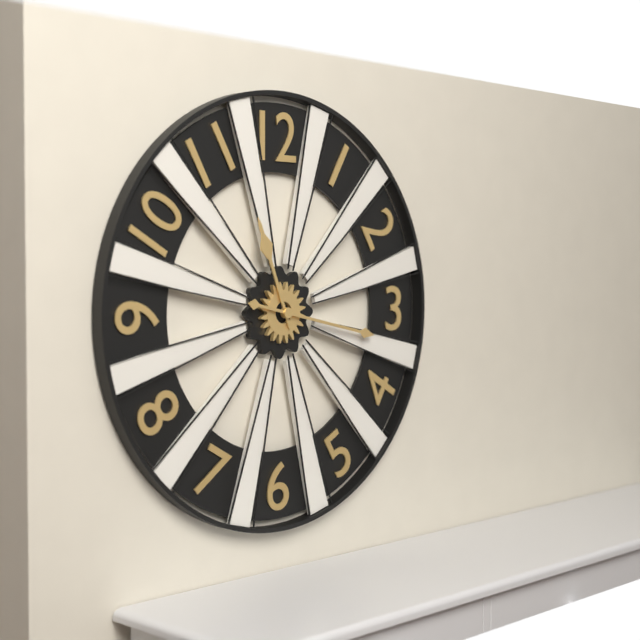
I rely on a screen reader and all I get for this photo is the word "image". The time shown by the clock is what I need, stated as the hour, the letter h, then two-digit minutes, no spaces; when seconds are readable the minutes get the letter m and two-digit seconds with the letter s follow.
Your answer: 11h17
